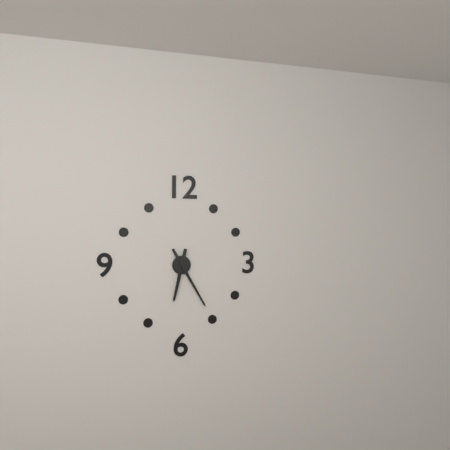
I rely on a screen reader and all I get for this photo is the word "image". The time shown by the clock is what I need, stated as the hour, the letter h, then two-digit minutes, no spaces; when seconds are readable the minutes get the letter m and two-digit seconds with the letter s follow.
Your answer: 6h25
